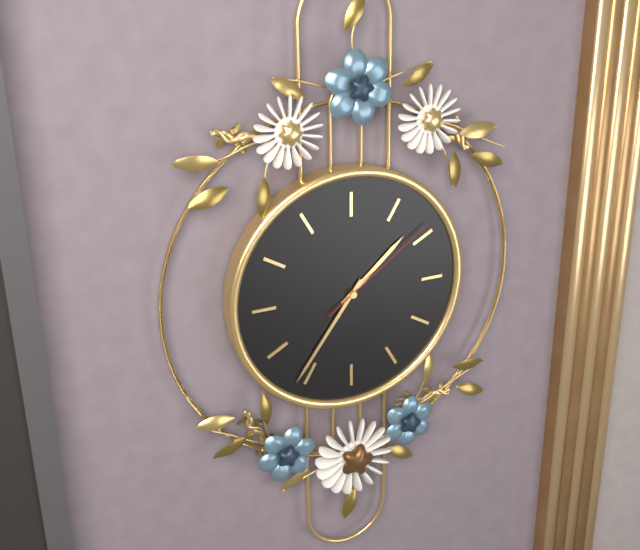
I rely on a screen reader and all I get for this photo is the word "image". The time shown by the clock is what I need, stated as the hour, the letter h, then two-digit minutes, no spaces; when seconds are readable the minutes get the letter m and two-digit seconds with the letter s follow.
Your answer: 1h36m09s
